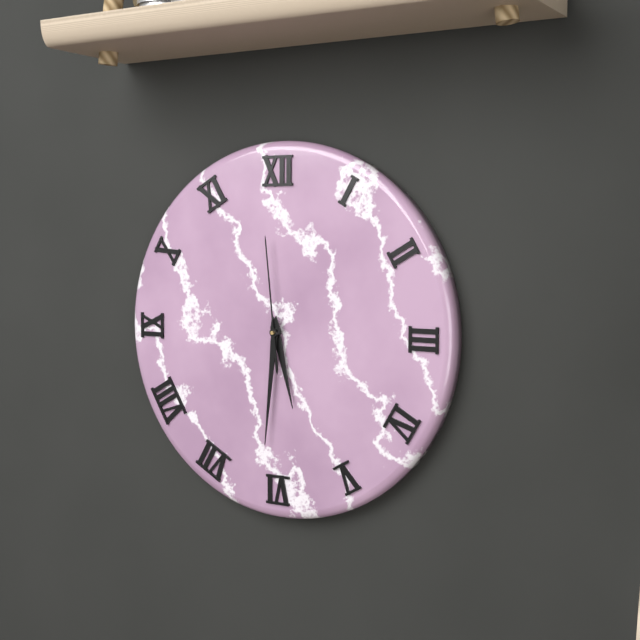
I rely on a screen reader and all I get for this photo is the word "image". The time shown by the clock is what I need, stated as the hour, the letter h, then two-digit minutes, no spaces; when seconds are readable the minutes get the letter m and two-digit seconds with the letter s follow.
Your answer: 5h31m59s
